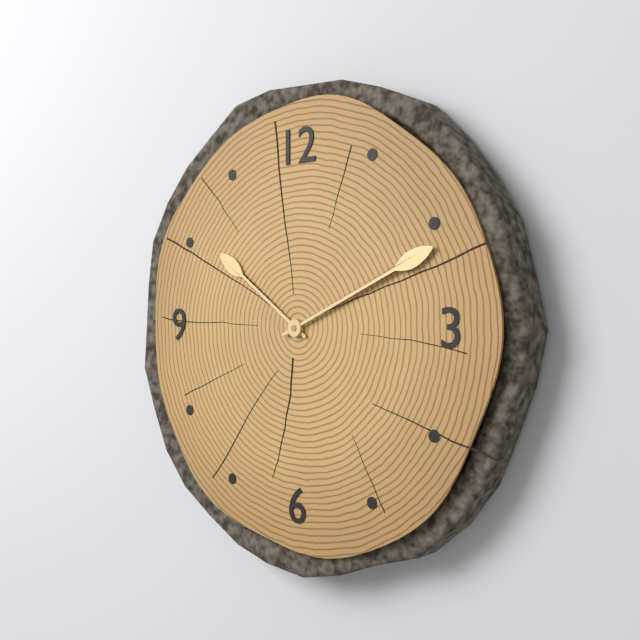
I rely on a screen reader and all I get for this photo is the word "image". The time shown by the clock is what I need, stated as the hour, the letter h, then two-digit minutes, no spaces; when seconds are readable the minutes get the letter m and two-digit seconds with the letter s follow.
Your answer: 10h11
